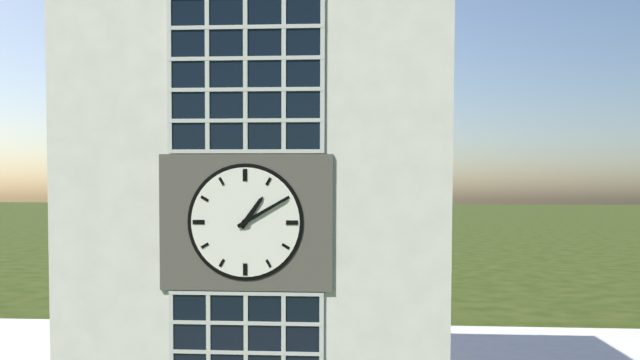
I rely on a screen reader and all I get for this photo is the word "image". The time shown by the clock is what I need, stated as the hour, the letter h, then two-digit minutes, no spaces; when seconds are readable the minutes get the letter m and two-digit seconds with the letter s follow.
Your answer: 1h10
